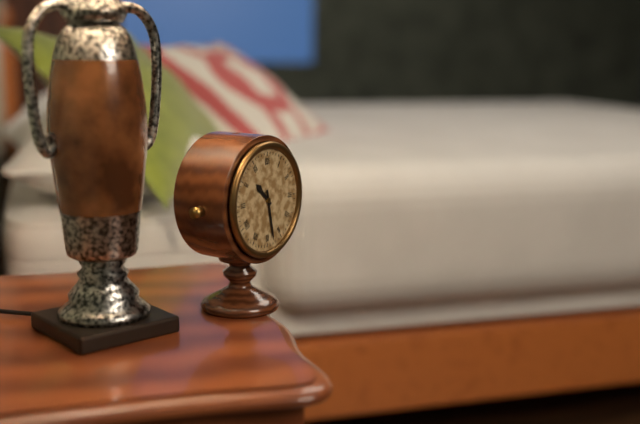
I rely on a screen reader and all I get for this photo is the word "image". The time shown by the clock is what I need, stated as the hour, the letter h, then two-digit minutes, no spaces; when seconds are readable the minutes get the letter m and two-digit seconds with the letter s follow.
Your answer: 10h28
